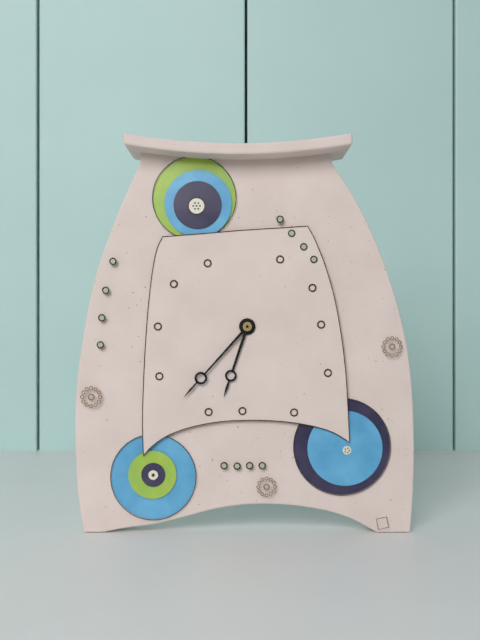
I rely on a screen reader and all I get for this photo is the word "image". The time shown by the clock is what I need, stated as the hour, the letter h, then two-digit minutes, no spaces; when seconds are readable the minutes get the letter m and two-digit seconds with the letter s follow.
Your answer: 6h37
